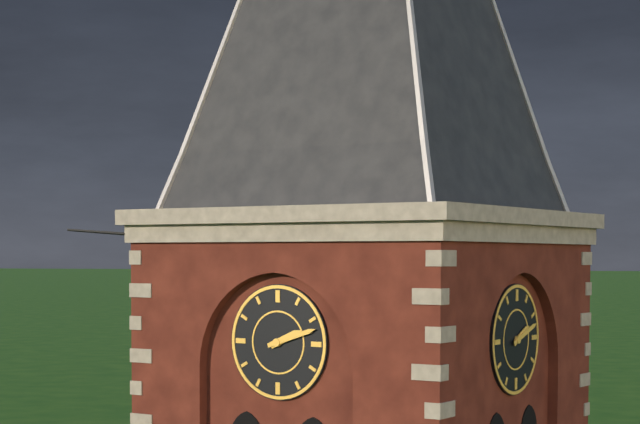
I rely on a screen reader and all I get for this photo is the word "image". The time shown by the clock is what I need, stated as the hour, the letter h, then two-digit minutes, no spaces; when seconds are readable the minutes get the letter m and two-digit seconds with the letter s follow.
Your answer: 2h12
